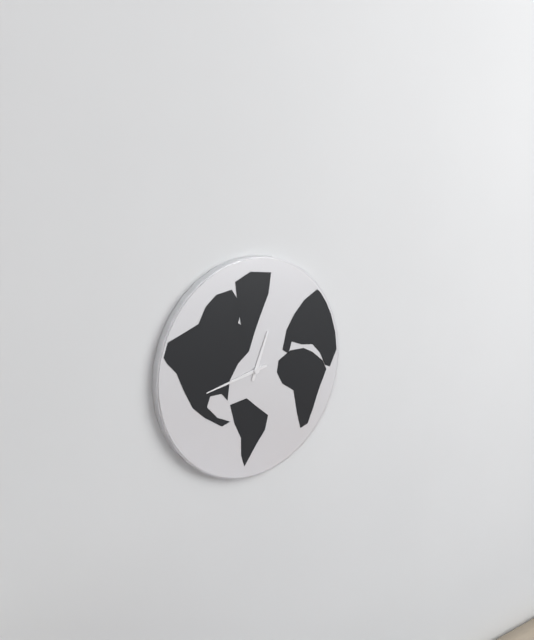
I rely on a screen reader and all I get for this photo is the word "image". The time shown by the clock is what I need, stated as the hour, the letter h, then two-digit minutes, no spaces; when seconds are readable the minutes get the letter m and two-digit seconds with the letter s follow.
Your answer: 12h43
